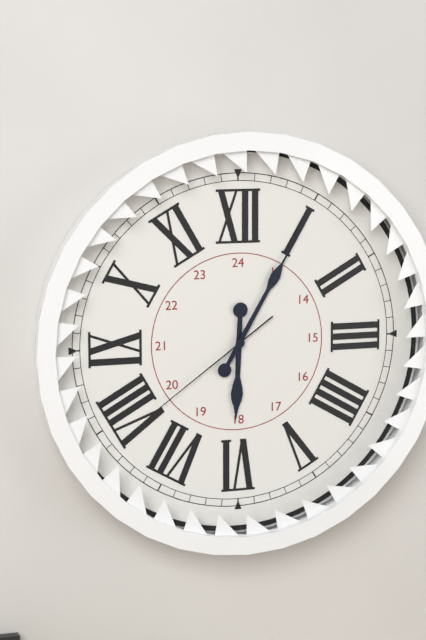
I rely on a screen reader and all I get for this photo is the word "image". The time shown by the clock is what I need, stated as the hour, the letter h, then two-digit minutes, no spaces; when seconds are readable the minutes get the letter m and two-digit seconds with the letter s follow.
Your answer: 6h05m39s
